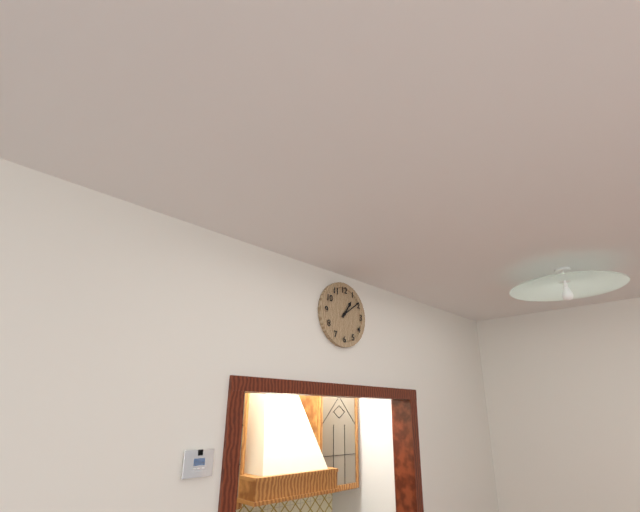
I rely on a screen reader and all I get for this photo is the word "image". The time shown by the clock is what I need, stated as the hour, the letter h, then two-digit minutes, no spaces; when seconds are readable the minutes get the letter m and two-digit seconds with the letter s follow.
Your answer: 1h09
